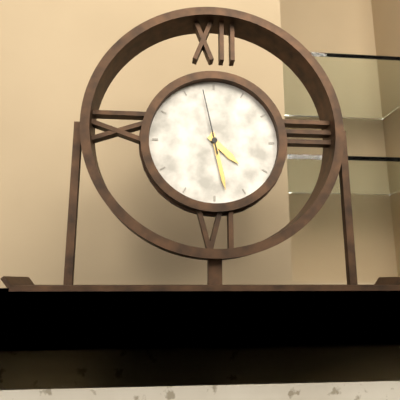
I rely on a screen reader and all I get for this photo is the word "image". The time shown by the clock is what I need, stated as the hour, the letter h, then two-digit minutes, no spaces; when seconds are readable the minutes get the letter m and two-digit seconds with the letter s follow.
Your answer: 4h28m58s
